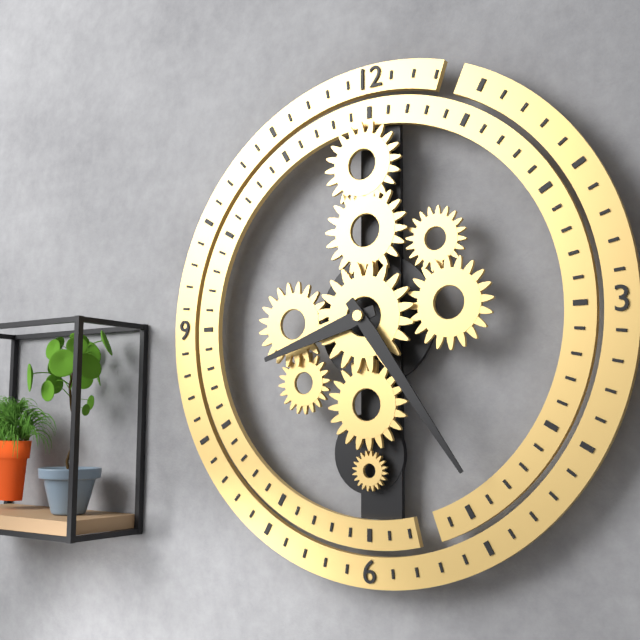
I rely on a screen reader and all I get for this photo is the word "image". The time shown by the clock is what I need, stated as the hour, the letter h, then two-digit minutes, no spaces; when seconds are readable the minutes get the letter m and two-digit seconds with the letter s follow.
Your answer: 8h24
